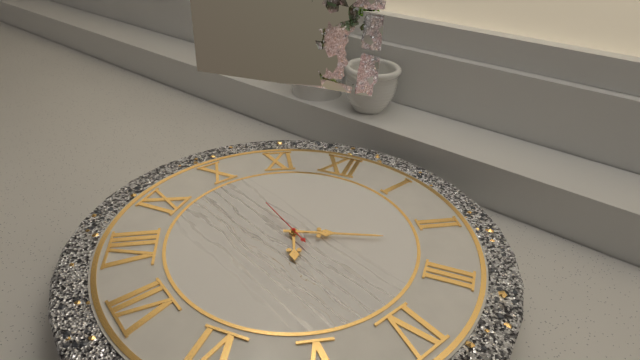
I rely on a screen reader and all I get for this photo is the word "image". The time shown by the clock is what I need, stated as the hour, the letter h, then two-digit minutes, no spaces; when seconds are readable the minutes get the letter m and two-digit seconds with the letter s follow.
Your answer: 5h12m51s
